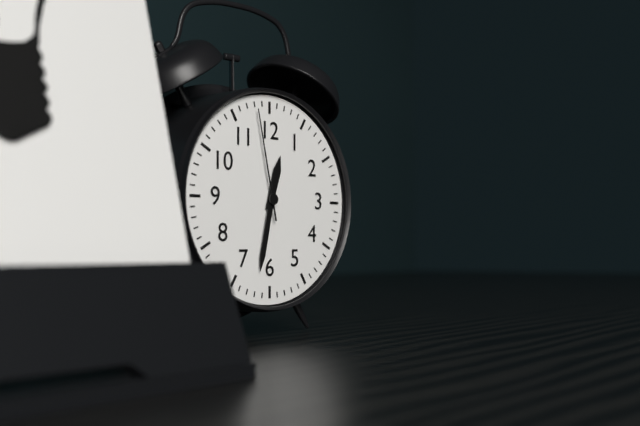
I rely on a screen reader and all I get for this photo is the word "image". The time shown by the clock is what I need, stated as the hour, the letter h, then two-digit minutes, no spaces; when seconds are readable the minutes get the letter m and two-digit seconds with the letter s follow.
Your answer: 12h32m58s
